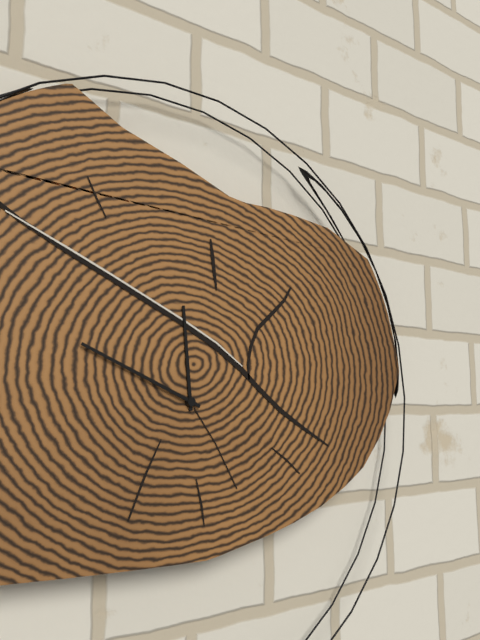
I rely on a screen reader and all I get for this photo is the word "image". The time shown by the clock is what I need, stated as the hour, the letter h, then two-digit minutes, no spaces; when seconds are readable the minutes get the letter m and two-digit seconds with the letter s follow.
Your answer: 11h49
